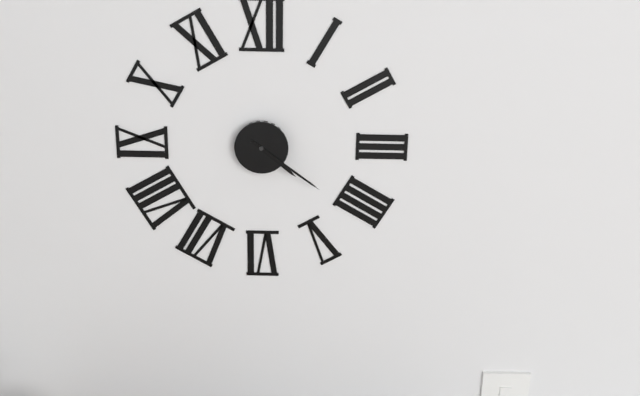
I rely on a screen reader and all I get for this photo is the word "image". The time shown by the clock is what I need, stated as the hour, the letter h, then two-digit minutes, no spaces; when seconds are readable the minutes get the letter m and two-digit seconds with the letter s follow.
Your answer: 4h21
